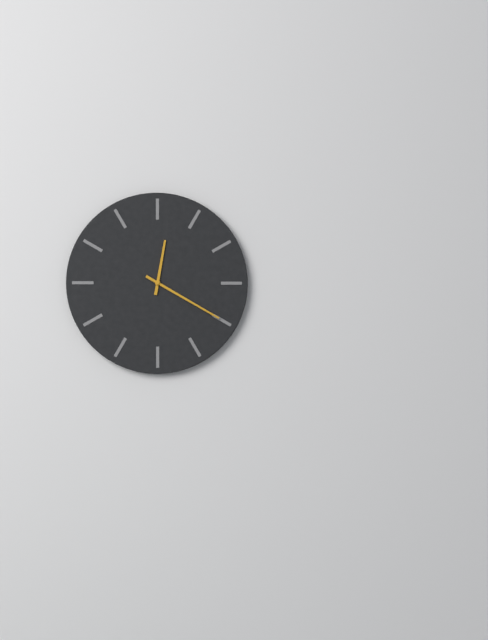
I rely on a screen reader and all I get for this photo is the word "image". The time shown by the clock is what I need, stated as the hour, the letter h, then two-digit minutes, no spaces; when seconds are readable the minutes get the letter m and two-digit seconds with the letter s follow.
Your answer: 12h20
